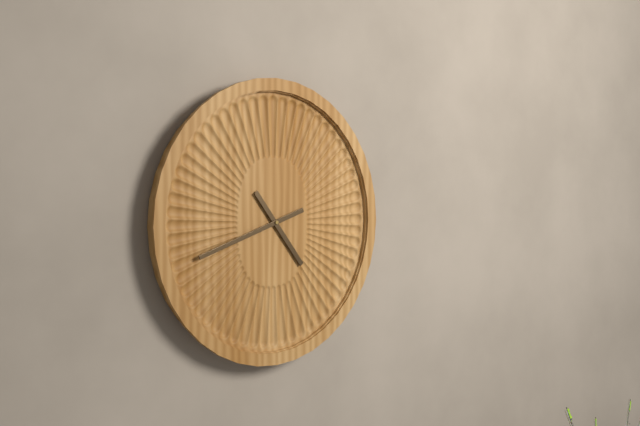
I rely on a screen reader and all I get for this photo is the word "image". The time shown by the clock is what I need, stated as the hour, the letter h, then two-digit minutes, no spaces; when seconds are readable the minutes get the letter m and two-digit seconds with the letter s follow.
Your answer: 4h42
